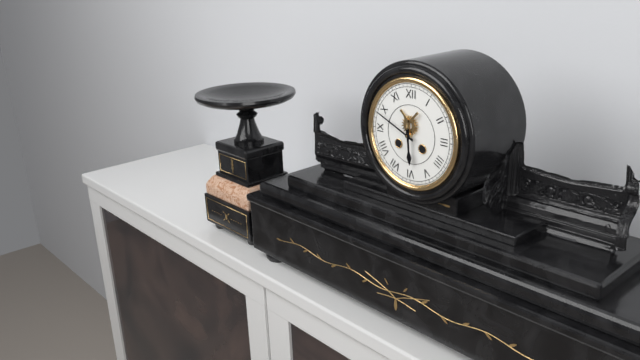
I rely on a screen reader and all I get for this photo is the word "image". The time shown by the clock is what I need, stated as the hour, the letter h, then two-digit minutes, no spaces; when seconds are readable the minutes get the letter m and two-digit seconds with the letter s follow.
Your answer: 5h49
